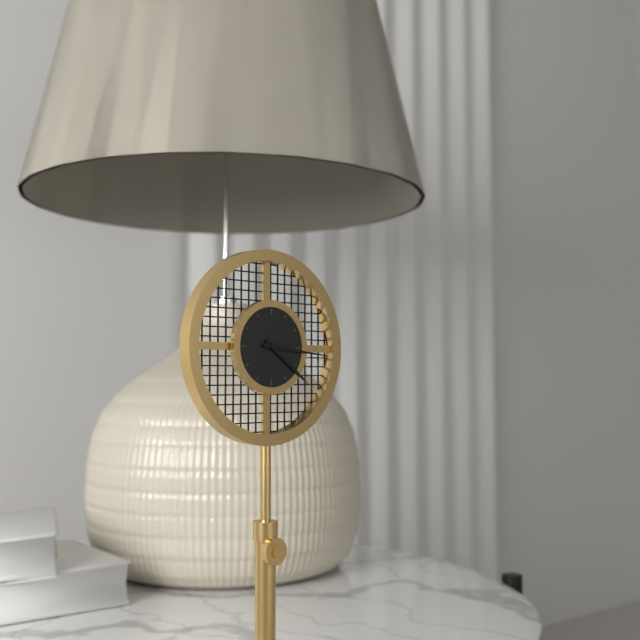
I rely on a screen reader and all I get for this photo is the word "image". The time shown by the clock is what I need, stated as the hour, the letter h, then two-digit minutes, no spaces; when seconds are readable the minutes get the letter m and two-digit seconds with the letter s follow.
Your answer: 4h16
